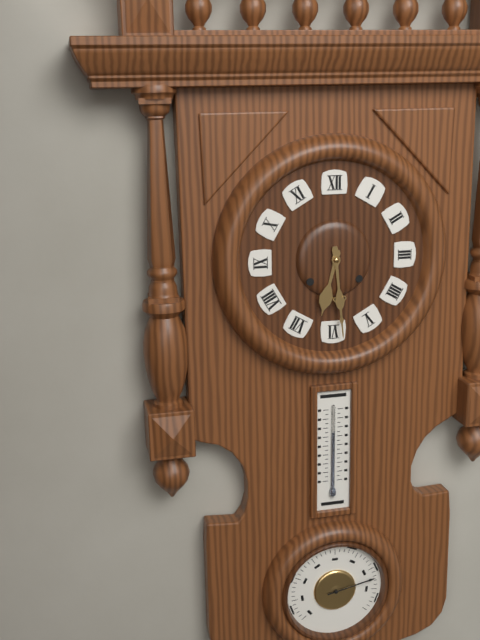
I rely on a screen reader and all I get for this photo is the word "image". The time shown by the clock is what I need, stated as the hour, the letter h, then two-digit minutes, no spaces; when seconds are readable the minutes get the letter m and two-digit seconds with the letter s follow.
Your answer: 6h29
